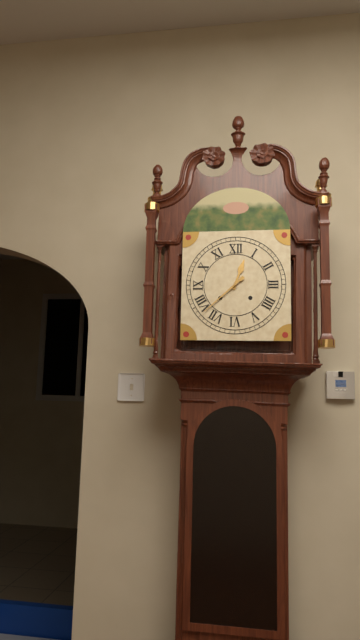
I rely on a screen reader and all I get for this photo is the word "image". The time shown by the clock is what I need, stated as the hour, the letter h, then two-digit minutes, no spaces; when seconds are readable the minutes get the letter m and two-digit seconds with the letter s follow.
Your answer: 12h38
